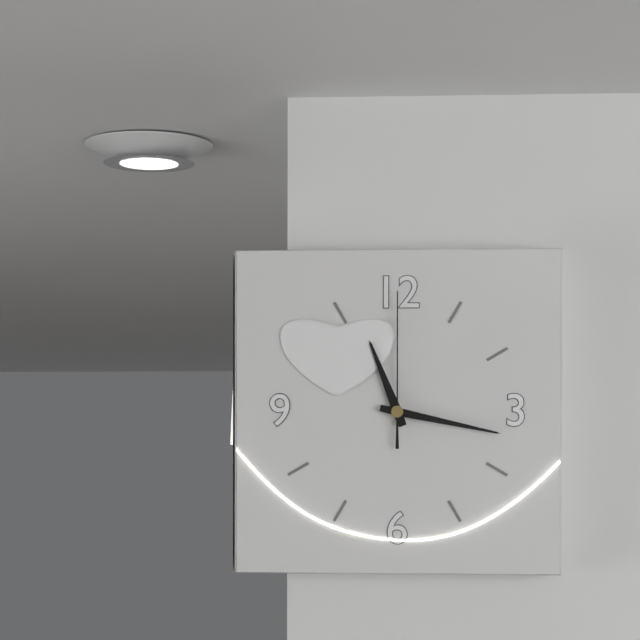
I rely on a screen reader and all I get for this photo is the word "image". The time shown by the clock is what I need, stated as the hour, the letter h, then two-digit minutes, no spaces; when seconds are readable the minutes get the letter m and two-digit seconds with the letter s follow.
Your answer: 11h17m00s
